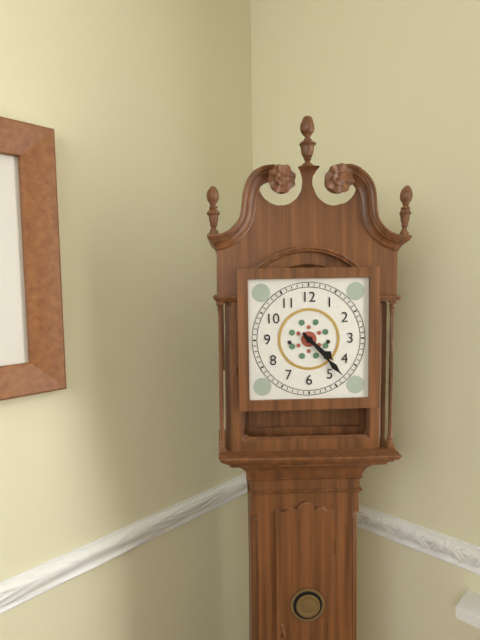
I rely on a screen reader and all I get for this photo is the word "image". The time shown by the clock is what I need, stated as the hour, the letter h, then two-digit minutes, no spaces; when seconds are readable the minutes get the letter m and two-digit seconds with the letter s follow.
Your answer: 4h23
